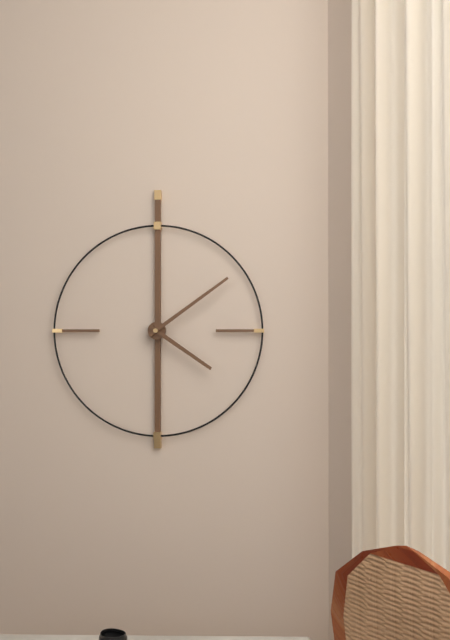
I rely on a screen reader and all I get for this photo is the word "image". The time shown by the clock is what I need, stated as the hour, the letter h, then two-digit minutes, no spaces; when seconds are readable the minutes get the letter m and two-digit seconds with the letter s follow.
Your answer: 4h09
